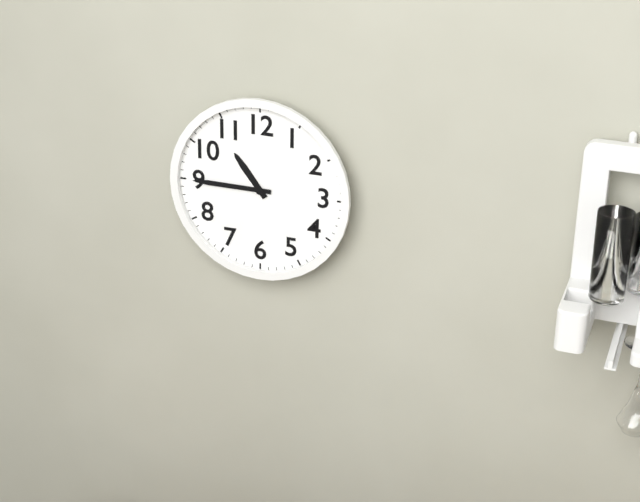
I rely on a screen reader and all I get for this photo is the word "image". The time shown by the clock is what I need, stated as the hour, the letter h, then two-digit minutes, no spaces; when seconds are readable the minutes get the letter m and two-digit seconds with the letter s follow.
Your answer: 10h45
